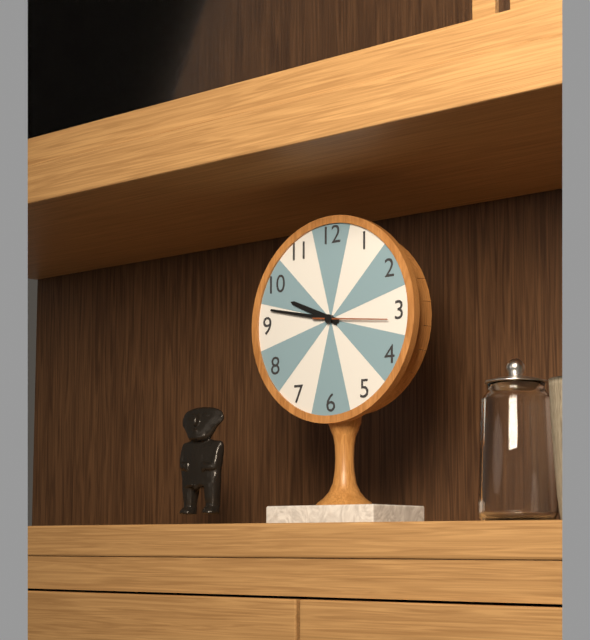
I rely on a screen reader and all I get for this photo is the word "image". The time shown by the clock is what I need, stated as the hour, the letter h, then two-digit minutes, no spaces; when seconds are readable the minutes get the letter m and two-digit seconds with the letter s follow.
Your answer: 9h47m16s
